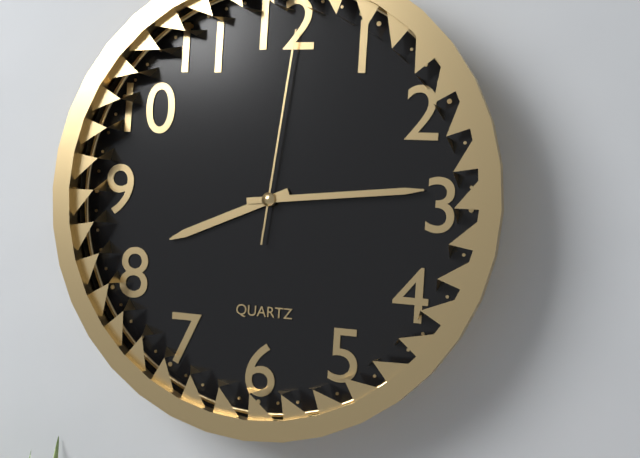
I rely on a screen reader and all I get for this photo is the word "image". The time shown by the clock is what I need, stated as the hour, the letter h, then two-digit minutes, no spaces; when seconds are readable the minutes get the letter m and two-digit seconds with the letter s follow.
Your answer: 8h14m01s
